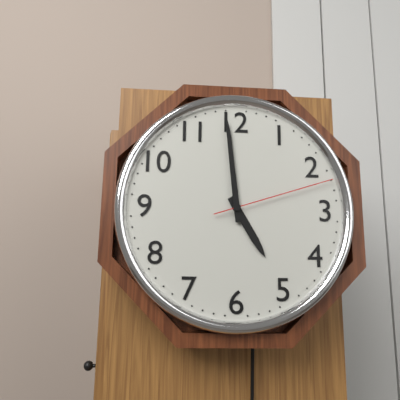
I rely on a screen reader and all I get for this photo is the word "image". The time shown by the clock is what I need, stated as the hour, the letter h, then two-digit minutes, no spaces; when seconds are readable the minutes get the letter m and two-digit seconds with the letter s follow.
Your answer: 4h59m12s
